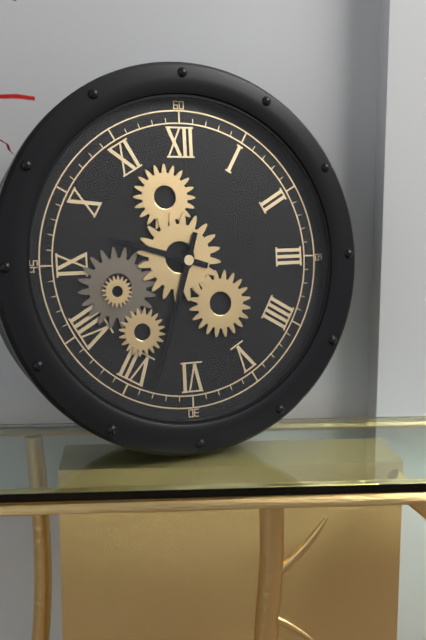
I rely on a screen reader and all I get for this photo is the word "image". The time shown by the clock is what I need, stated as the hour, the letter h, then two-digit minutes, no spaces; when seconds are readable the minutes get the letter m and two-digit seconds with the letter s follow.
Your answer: 9h33
